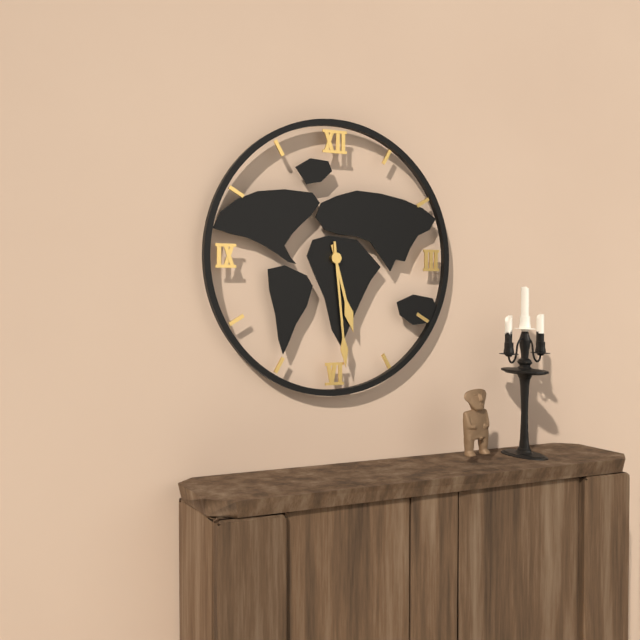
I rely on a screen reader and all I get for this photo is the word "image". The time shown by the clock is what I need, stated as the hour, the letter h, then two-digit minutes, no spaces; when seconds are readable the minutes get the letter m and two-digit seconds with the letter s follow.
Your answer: 5h29
